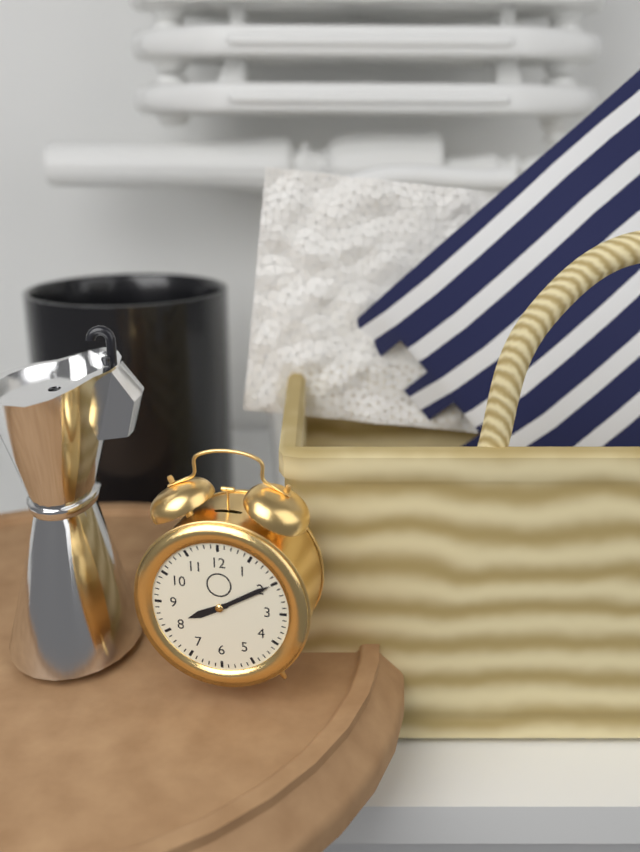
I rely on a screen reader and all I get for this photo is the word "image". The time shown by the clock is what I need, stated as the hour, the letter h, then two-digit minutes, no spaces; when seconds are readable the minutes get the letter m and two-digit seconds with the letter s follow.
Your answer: 8h10
